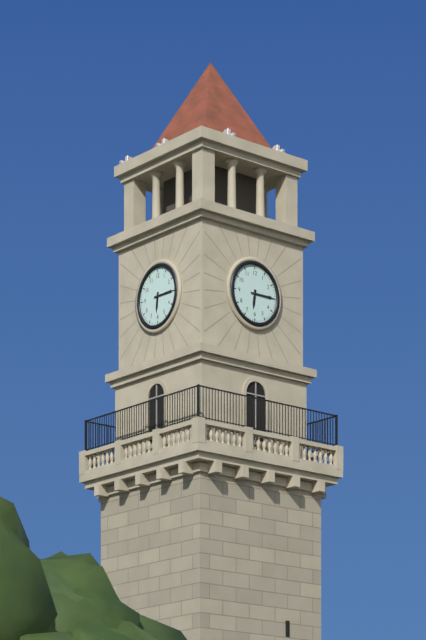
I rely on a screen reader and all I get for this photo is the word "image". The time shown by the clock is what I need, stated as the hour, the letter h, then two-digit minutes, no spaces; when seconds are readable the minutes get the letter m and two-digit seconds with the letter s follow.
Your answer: 6h15
